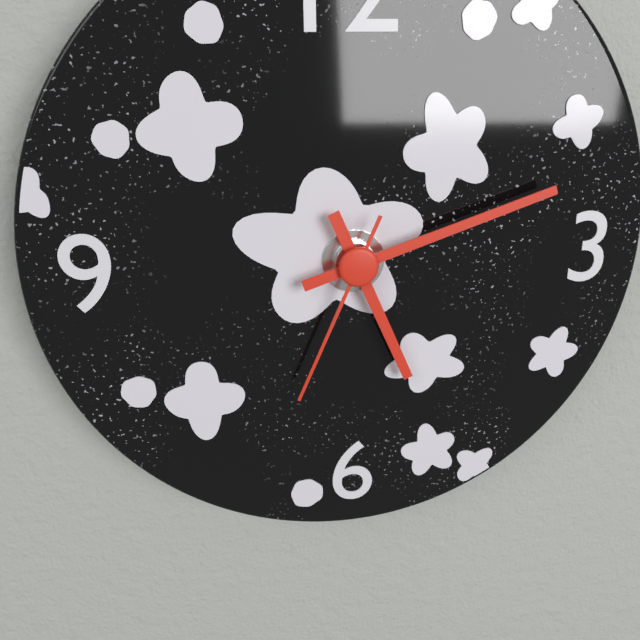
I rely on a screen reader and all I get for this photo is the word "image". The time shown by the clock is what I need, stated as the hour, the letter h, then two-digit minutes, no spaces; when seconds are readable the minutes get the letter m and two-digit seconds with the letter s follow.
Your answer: 5h12m34s
